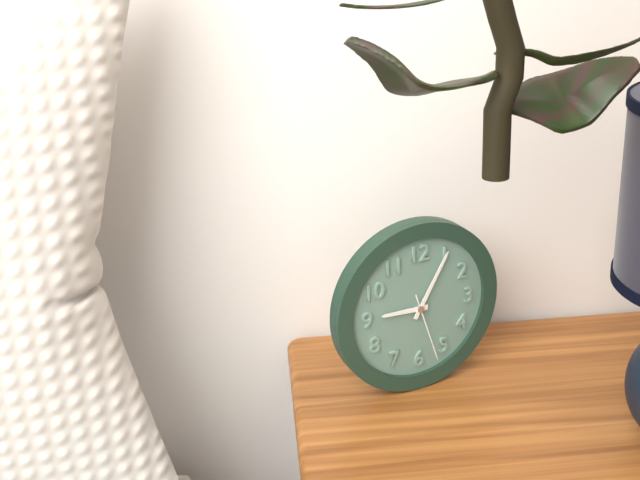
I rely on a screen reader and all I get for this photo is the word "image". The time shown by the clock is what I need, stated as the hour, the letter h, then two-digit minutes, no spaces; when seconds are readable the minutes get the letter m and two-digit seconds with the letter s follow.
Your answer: 9h05m27s
